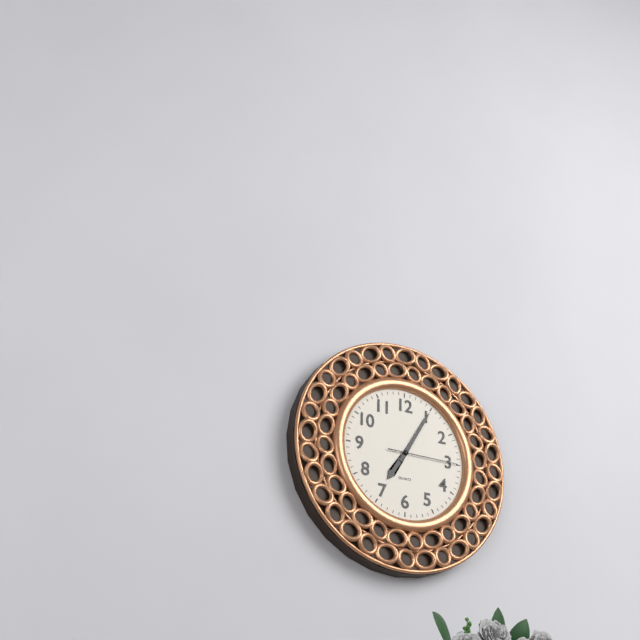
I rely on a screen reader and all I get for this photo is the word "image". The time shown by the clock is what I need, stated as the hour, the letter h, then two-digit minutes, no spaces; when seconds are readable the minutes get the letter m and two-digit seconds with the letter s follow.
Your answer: 7h05m15s
